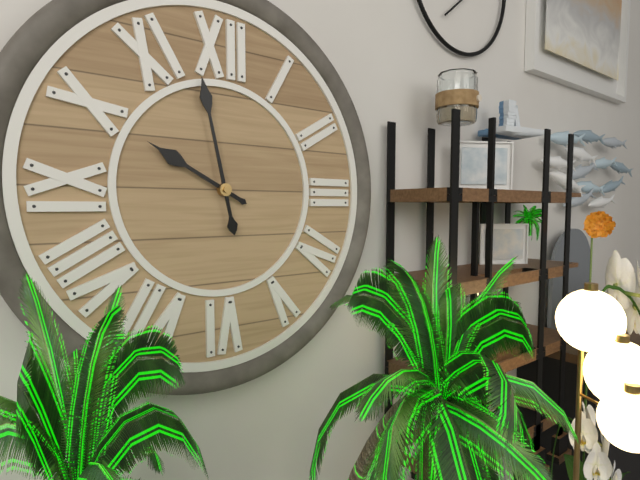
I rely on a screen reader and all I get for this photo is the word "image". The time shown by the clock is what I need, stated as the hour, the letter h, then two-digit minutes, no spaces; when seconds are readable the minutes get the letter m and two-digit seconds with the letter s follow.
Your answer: 9h58
